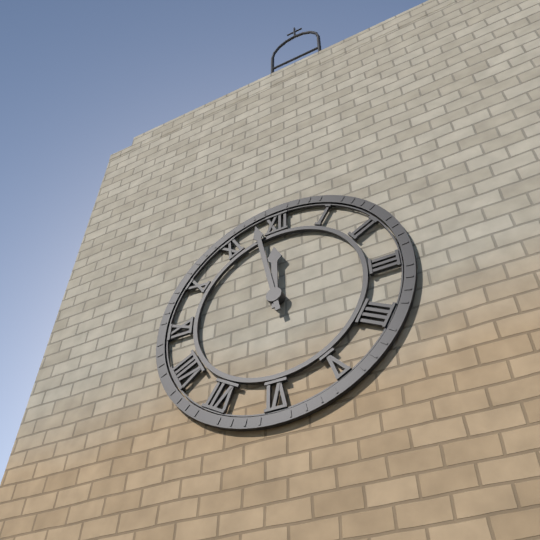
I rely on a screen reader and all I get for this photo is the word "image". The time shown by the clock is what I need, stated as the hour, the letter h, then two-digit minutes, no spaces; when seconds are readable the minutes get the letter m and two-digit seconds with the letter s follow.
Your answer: 11h58
